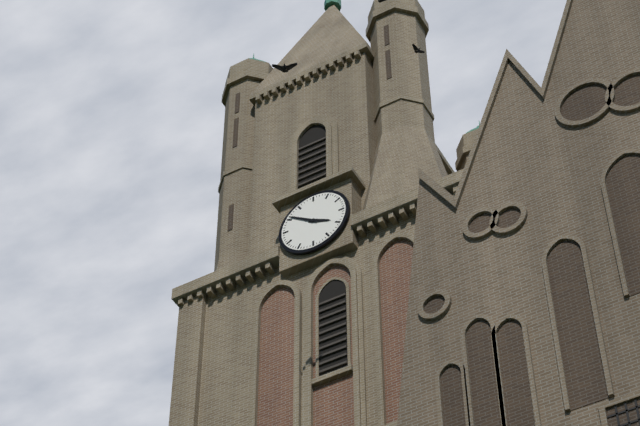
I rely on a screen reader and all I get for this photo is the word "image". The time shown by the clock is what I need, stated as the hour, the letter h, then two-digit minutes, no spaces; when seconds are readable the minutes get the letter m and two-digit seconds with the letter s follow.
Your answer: 3h51
